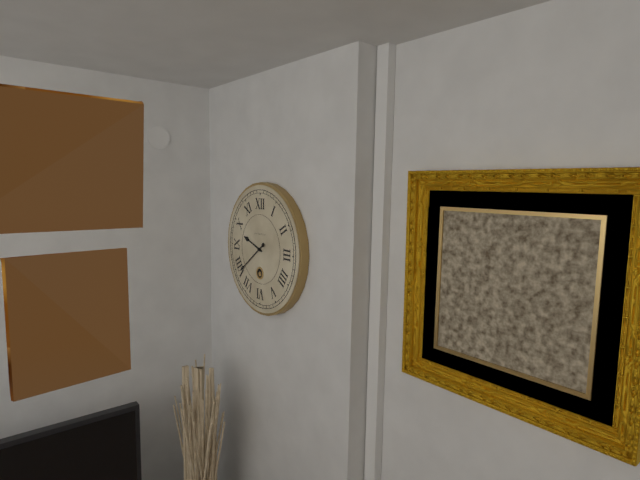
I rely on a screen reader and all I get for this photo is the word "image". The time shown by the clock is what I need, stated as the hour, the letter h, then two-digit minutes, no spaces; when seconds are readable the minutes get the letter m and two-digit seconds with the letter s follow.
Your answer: 9h39
